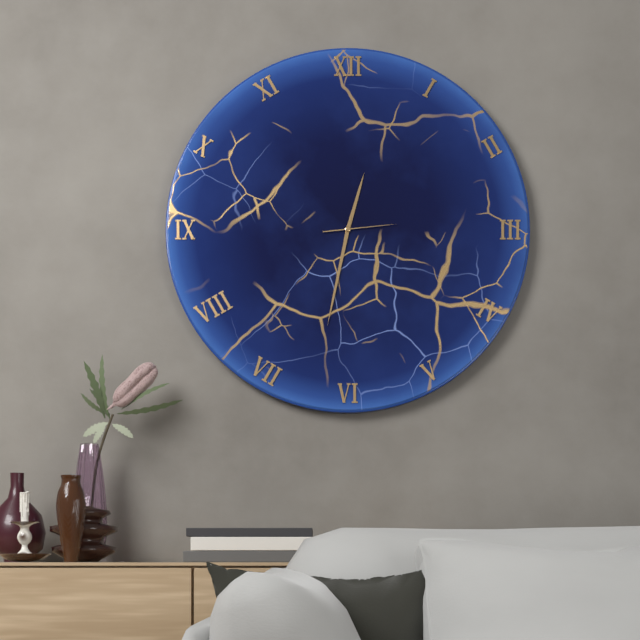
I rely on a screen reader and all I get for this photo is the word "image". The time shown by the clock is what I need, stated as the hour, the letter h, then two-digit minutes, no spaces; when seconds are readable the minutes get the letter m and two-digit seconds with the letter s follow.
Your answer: 12h32m14s
